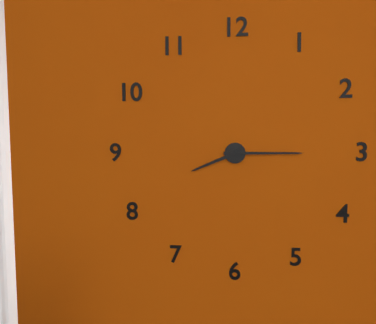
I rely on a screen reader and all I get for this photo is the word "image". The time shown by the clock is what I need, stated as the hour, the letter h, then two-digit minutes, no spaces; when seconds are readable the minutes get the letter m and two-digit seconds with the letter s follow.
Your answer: 8h15
